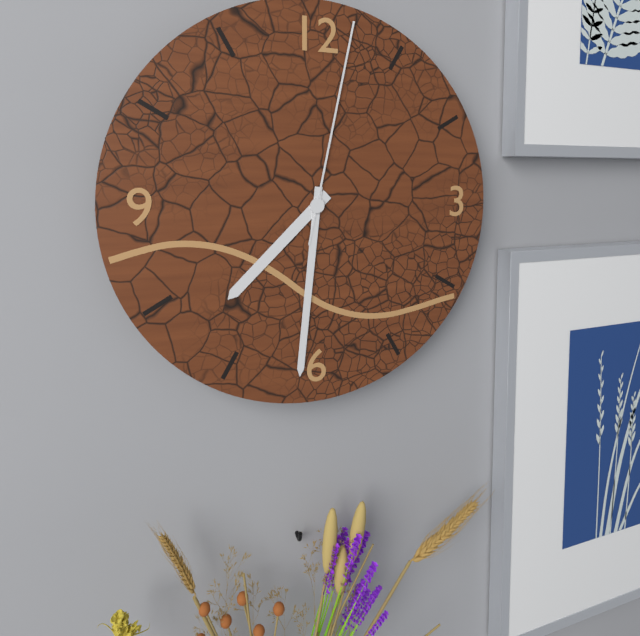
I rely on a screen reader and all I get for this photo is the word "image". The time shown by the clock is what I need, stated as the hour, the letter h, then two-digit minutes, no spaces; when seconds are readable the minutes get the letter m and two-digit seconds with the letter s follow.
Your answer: 7h31m02s
